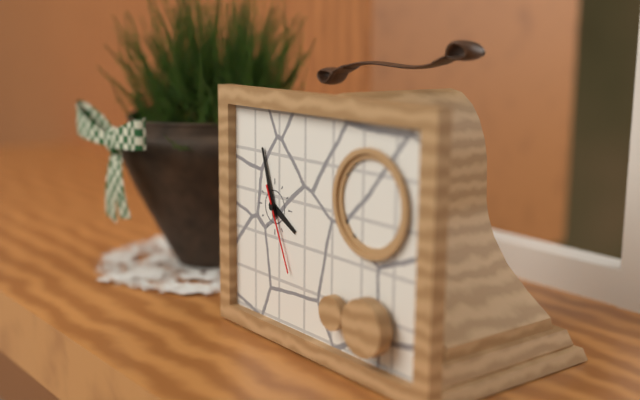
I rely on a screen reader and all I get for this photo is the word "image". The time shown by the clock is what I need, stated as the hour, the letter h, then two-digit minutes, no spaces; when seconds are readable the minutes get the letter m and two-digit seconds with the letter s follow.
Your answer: 3h57m26s
